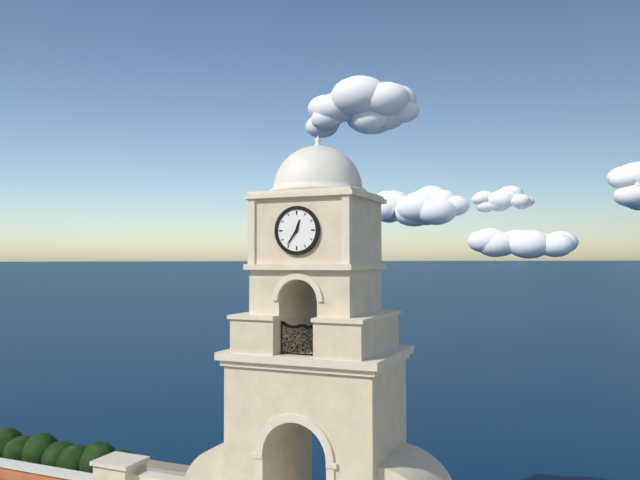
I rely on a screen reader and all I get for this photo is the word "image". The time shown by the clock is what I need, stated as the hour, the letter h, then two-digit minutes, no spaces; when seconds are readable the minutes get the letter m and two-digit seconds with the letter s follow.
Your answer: 12h36
